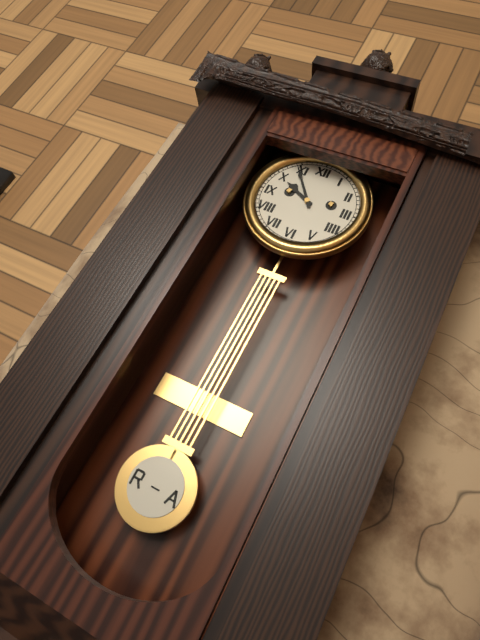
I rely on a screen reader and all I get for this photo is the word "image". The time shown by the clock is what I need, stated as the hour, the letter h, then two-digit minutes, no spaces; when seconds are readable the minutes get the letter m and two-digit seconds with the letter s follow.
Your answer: 9h54
